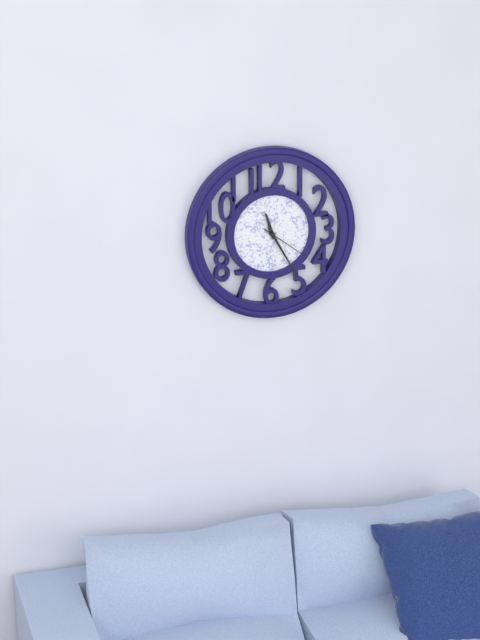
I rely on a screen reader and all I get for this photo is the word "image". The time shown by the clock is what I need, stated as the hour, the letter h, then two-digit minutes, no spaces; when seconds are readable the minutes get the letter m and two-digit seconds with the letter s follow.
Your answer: 11h25m21s
